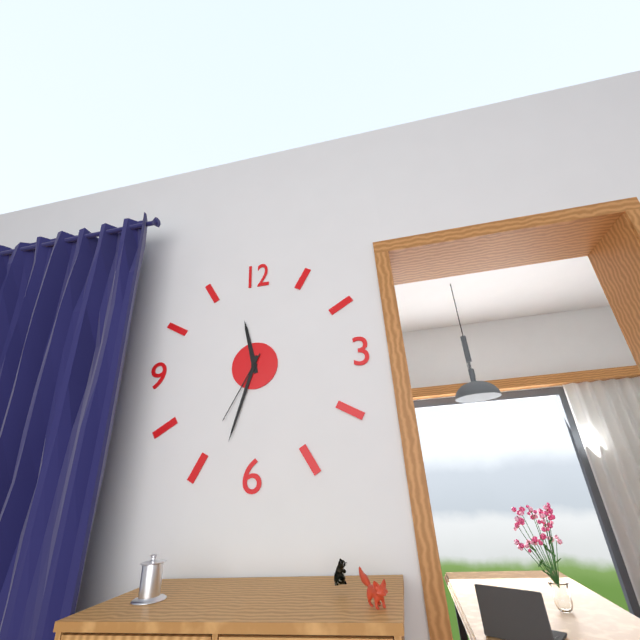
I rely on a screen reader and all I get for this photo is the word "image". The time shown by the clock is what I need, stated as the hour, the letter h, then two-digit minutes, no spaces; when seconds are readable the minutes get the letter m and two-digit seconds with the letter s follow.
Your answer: 11h33m35s
